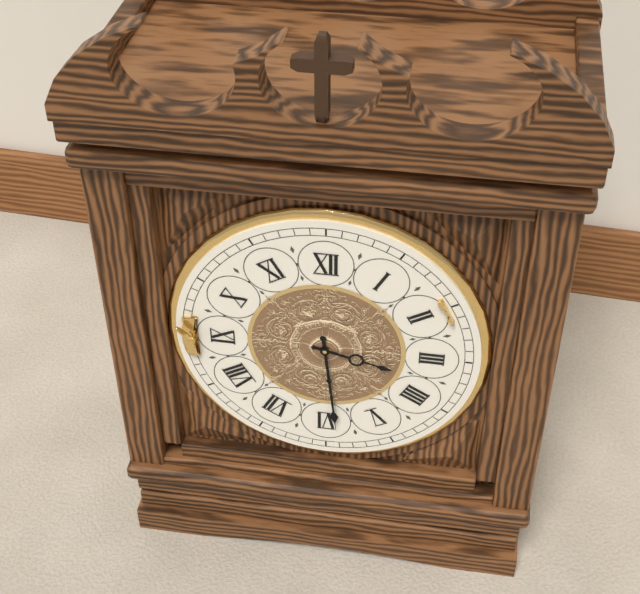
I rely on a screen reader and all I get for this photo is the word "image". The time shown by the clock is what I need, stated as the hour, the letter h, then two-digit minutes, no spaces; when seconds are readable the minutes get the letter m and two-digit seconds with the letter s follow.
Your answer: 3h29
